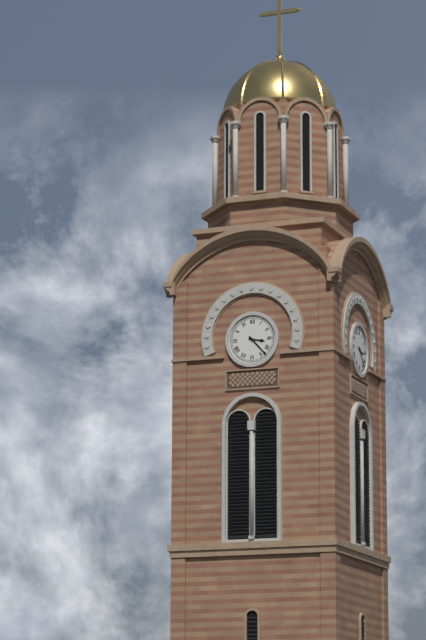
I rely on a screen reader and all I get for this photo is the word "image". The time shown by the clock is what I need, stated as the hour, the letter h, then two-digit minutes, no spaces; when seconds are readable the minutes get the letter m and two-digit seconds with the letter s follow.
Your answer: 3h23
